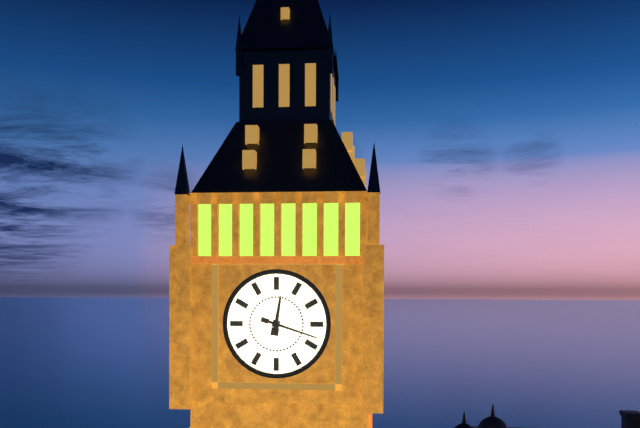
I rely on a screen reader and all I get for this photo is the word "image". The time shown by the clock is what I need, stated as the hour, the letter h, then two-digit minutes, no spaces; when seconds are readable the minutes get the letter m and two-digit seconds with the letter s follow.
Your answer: 12h18
